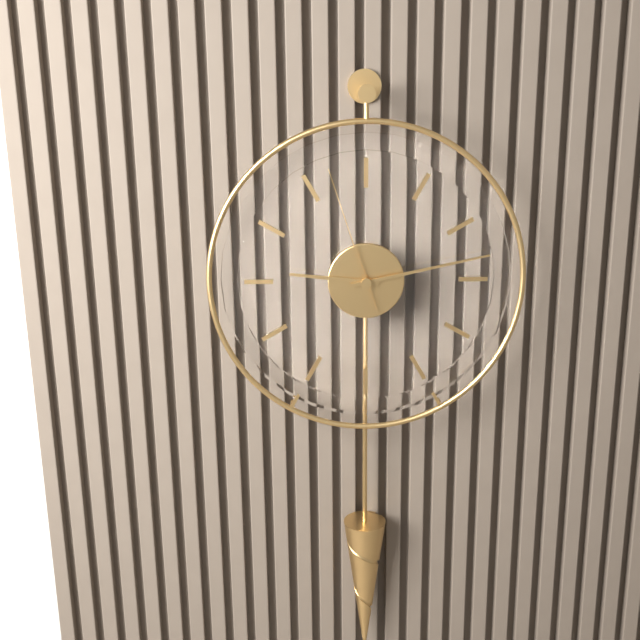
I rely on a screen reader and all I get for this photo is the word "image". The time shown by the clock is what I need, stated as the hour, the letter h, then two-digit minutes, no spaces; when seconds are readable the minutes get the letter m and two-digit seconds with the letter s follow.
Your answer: 9h13m57s
